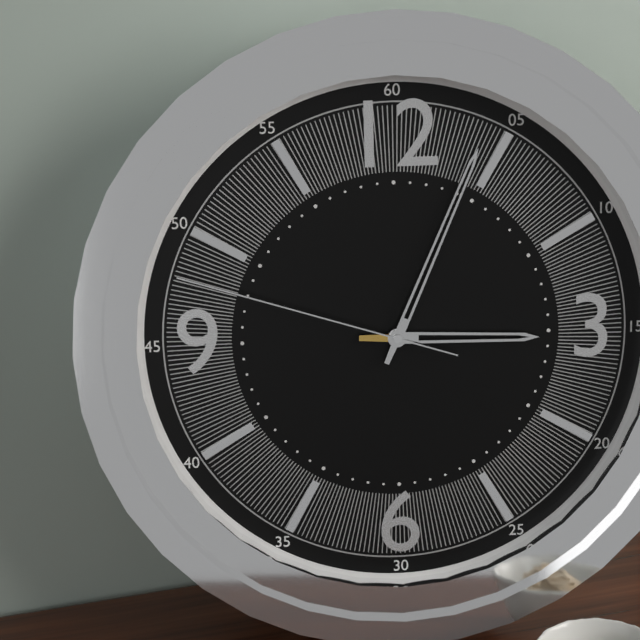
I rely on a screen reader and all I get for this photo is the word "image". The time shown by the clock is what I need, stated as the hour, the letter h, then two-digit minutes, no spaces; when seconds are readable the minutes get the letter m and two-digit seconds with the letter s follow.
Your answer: 3h04m48s
